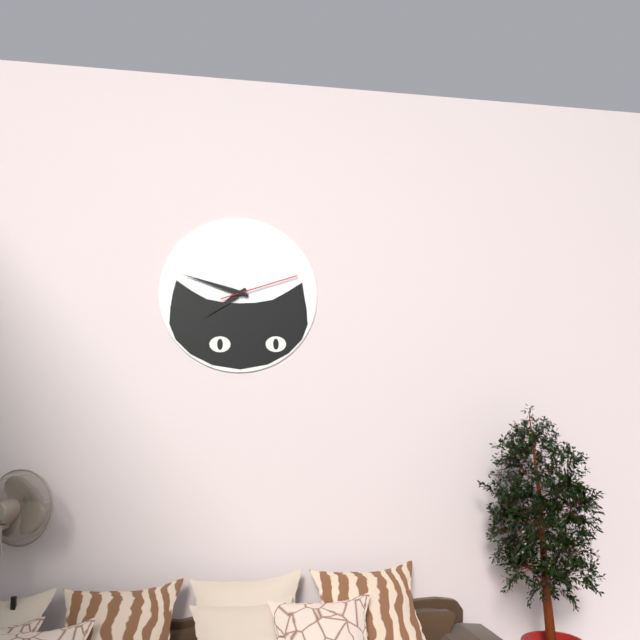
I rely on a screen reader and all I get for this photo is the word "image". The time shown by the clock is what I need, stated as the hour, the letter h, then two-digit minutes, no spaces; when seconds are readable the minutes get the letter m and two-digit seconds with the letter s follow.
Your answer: 7h48m12s
